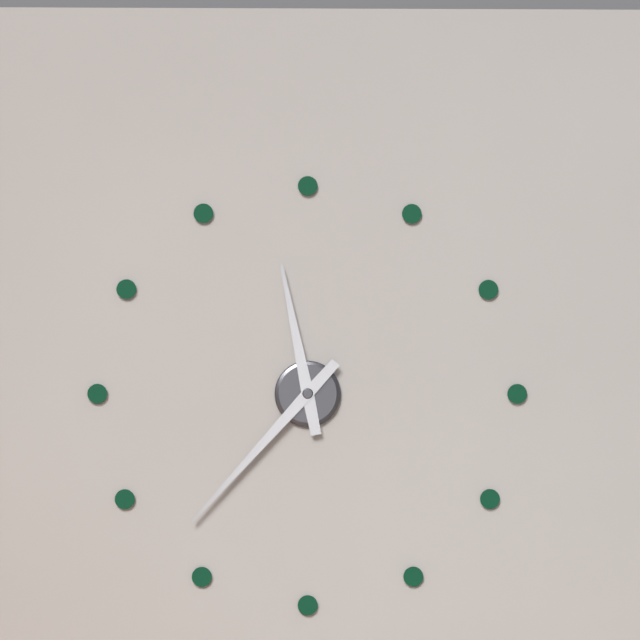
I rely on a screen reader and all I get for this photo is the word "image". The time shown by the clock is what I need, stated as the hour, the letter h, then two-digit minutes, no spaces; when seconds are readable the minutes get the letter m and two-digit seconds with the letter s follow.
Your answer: 11h37
